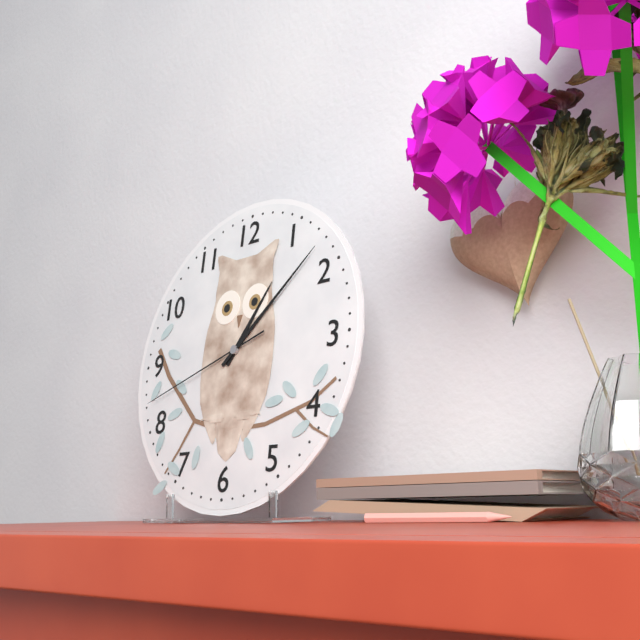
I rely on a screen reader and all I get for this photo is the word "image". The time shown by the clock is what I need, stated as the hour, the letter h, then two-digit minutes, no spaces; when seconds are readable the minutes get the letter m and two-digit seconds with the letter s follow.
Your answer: 1h08m42s
